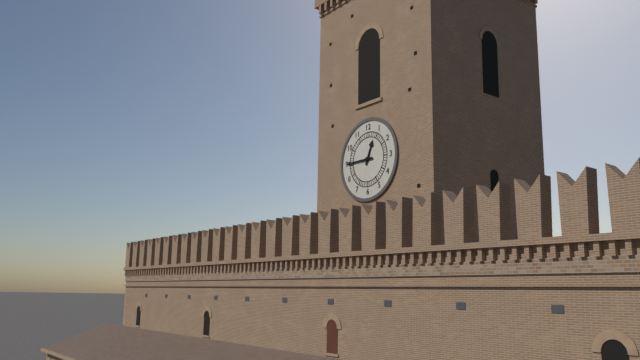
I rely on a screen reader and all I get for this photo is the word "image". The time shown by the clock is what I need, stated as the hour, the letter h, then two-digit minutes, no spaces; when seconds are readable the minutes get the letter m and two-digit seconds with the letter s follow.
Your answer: 12h45
